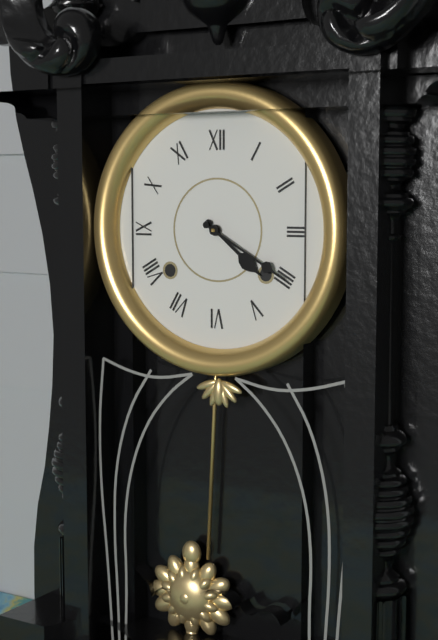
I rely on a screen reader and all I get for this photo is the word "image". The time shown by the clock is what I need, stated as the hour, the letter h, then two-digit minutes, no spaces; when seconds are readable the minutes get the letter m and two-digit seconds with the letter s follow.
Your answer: 4h20
